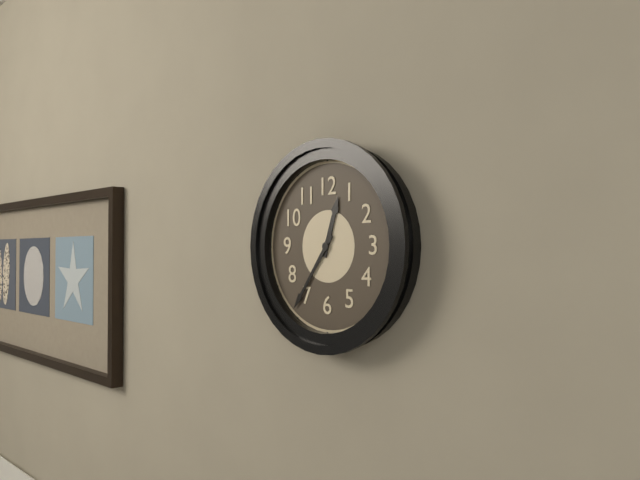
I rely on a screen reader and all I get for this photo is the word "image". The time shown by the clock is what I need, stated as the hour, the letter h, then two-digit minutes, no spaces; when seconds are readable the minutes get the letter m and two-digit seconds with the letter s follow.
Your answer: 12h36
